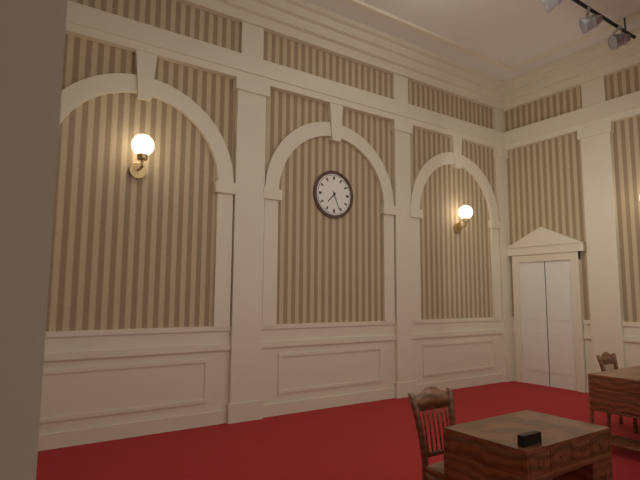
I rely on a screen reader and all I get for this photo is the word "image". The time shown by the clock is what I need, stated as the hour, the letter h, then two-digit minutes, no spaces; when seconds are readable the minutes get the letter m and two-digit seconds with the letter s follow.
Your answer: 7h26
